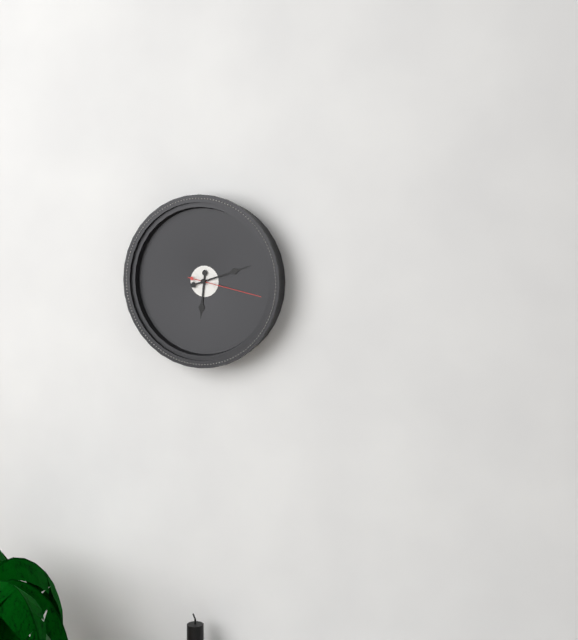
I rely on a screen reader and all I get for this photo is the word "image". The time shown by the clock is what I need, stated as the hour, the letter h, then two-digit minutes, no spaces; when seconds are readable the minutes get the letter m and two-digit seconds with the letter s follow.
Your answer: 6h12m17s
